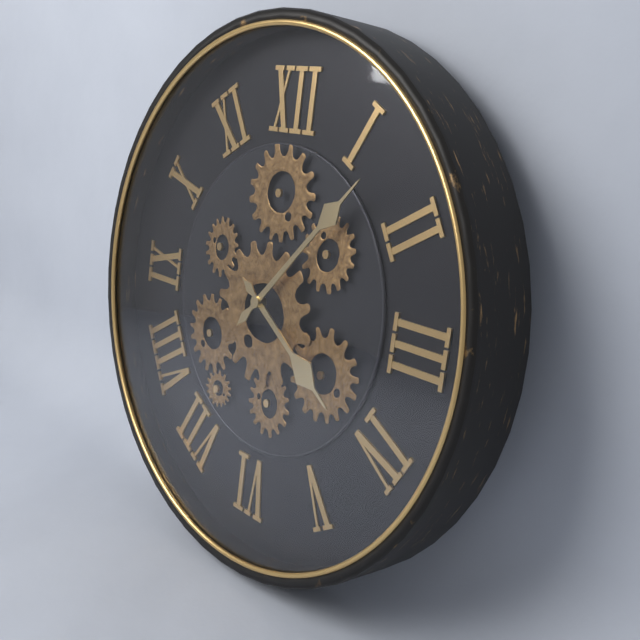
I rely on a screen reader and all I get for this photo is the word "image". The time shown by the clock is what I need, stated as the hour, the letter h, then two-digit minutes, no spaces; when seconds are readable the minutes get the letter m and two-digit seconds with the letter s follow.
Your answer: 4h07
